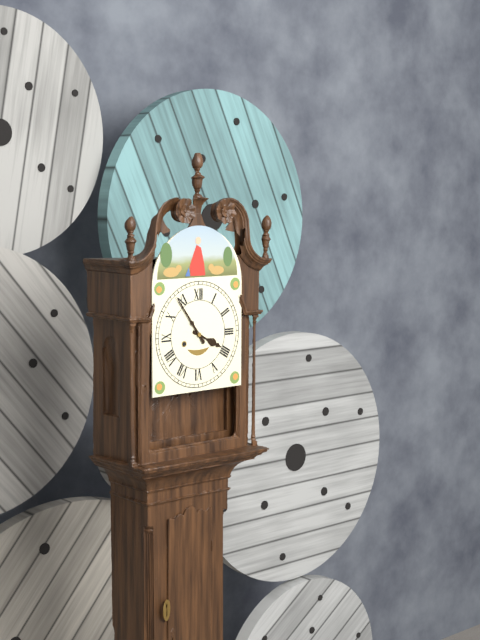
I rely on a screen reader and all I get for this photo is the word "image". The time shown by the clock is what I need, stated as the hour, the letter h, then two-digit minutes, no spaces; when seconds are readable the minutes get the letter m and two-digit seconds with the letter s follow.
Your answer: 3h54
